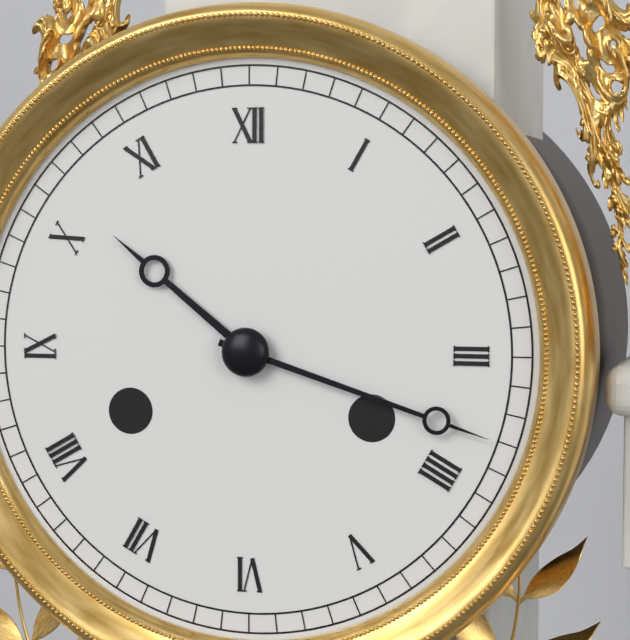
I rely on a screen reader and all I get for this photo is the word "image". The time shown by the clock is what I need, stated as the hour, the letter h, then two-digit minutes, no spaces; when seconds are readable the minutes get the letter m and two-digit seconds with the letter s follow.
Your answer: 10h18
